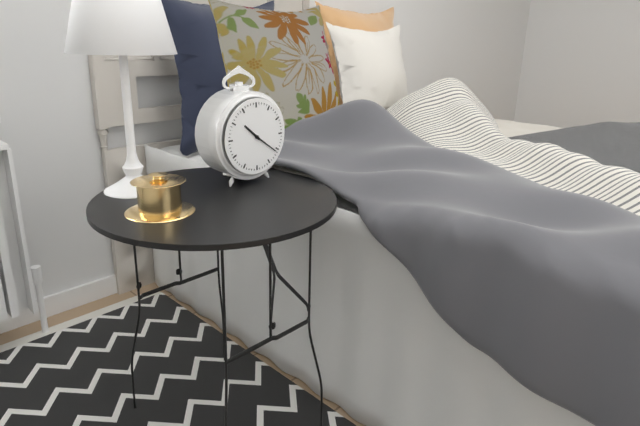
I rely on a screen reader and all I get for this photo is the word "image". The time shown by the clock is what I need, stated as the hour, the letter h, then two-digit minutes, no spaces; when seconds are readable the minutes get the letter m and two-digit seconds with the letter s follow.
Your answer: 10h21
